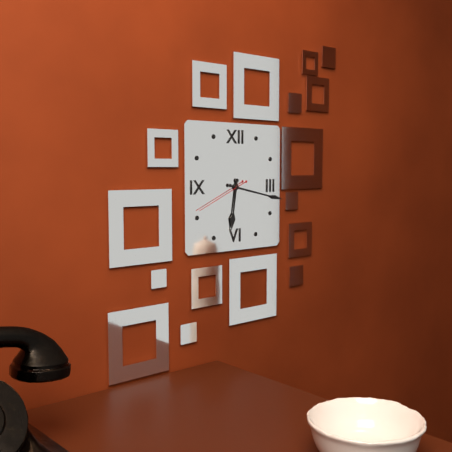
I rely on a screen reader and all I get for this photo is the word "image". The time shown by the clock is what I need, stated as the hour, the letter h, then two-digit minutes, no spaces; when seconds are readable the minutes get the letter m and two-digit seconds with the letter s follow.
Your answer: 6h17m41s
